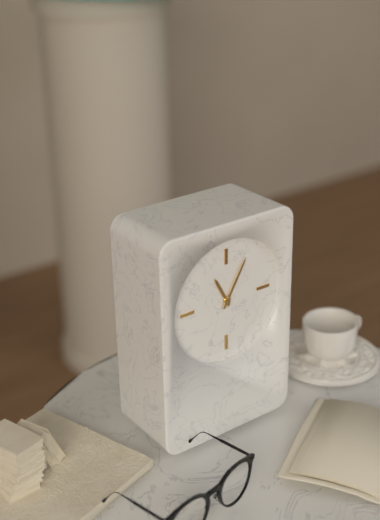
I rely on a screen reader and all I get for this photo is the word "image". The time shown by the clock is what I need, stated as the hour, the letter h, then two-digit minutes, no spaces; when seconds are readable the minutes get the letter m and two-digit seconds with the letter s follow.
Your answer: 11h05
